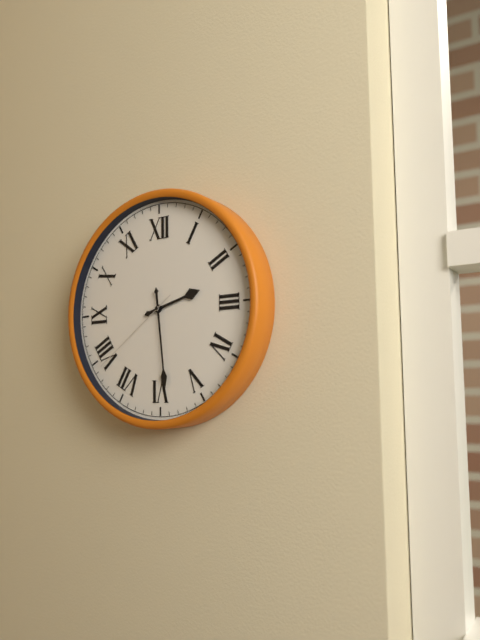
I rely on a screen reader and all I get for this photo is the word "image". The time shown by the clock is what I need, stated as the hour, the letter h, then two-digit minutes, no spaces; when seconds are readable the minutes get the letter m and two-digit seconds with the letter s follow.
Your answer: 2h29m39s
